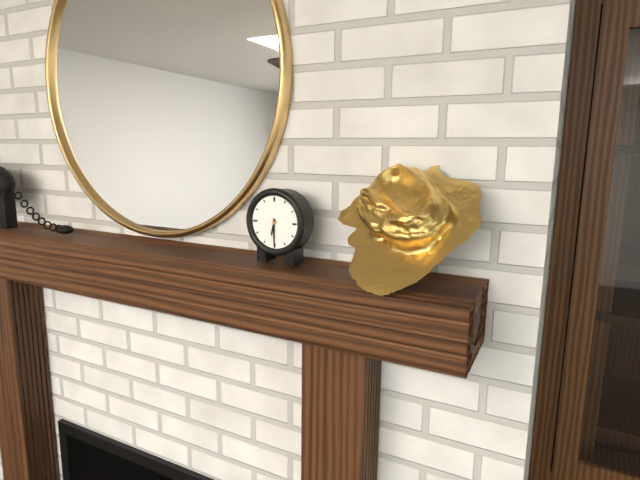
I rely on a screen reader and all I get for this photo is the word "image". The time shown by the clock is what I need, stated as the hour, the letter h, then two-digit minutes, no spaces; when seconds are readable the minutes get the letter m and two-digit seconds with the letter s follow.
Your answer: 6h30
